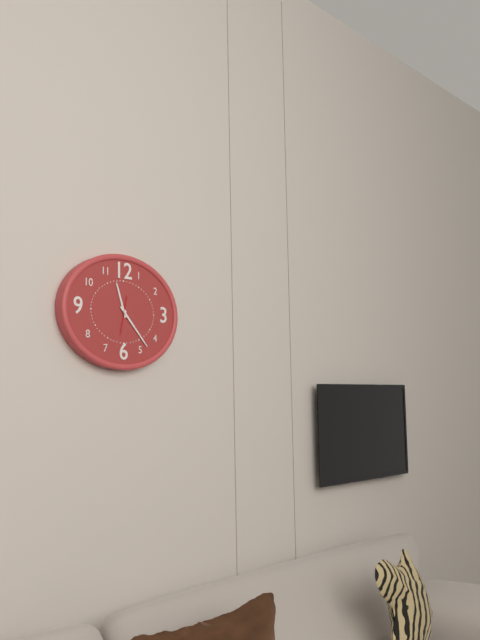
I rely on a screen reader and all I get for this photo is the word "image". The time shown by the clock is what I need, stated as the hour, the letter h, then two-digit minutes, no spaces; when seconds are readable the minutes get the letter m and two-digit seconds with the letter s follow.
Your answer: 11h23
